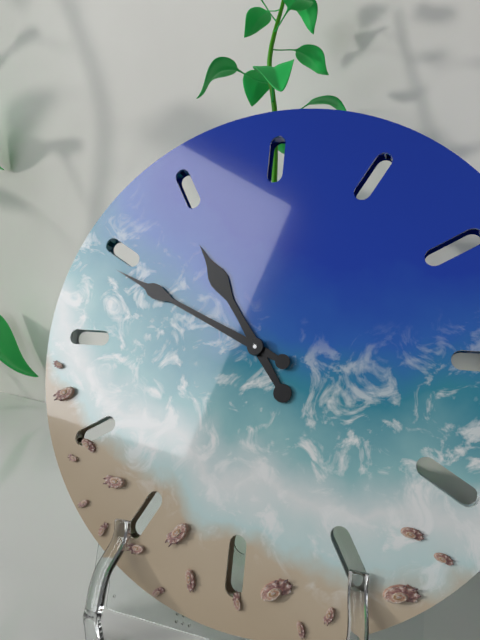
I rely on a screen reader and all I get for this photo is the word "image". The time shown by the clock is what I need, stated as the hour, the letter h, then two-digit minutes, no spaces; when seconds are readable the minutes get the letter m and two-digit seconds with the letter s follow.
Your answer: 10h49
